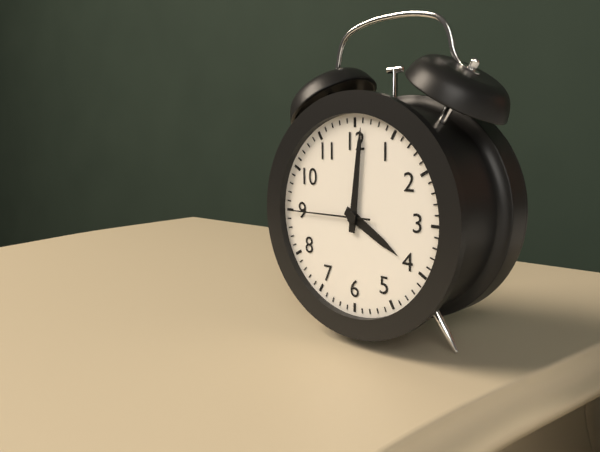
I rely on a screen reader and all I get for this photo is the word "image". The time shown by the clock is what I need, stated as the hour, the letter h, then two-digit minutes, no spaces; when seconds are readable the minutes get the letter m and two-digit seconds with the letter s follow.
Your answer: 4h01m45s
